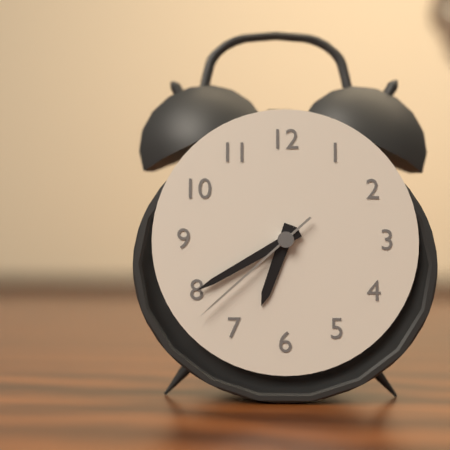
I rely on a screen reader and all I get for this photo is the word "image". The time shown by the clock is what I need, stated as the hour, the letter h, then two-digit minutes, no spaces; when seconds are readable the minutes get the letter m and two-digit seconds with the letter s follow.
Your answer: 6h40m38s
